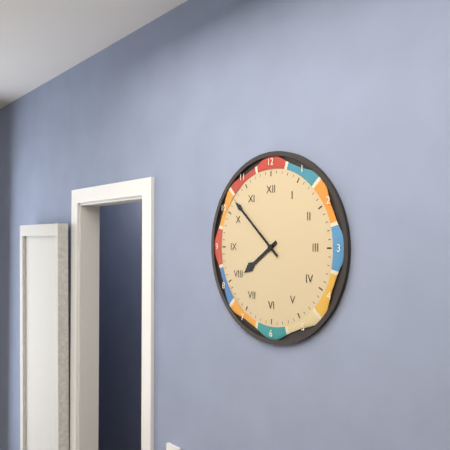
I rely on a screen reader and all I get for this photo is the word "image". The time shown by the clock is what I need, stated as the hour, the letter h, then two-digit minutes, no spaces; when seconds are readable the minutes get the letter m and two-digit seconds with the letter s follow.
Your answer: 7h52
